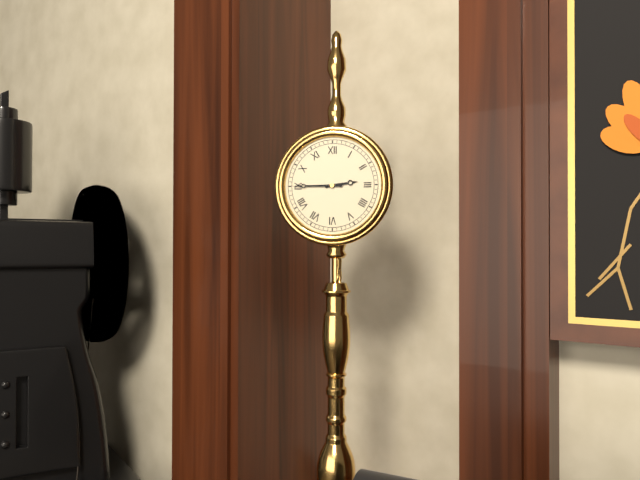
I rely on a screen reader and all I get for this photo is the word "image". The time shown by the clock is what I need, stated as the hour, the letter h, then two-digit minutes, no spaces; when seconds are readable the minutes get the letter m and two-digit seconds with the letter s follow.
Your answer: 2h45
